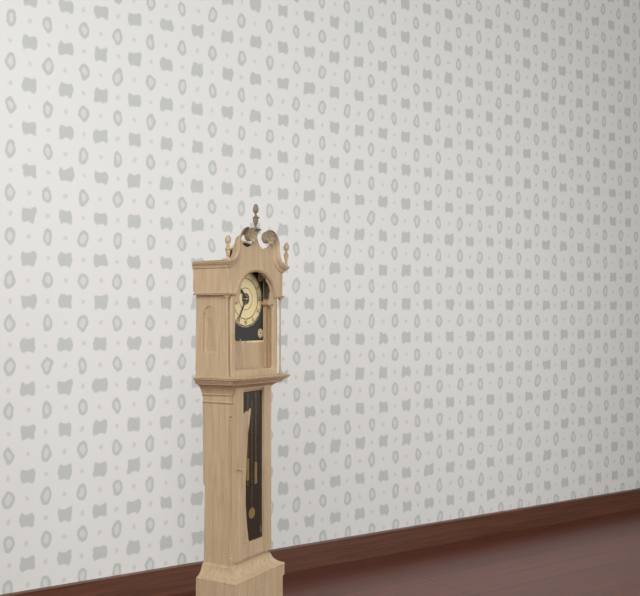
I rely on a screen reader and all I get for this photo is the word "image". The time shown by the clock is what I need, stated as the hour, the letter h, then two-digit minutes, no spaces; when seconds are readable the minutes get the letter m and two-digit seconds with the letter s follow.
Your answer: 10h35
